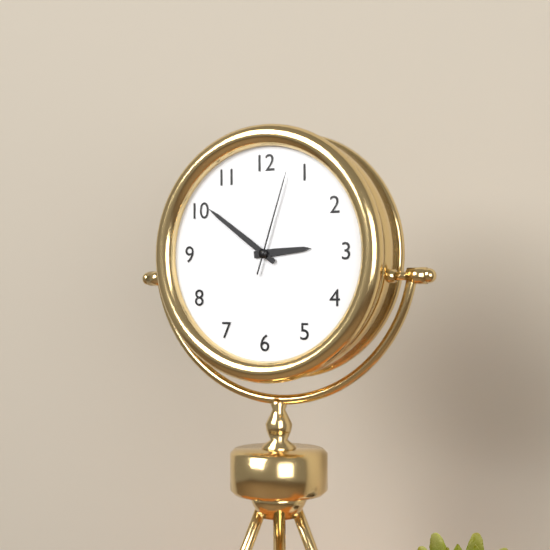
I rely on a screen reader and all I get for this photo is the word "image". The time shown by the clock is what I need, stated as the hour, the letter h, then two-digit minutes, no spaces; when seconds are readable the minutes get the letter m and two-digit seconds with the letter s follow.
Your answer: 2h51m03s
